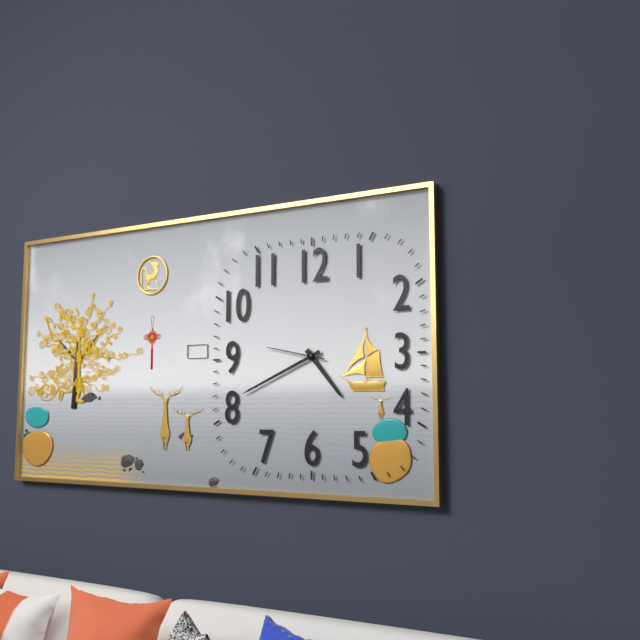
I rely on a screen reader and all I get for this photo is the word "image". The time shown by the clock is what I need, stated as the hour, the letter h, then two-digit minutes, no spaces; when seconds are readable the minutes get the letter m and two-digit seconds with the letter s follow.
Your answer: 4h41m47s
